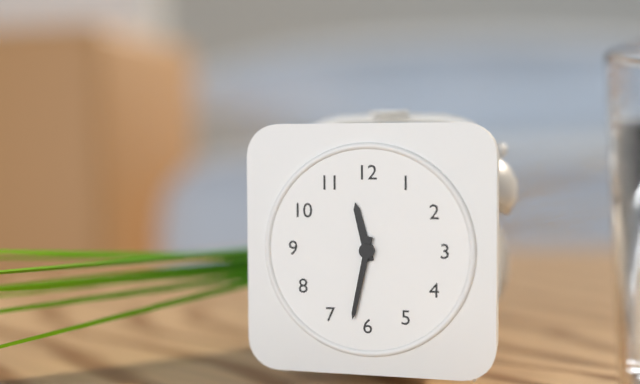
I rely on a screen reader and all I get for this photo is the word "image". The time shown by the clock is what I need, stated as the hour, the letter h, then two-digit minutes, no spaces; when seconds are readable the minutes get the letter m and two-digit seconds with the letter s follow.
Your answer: 11h32
